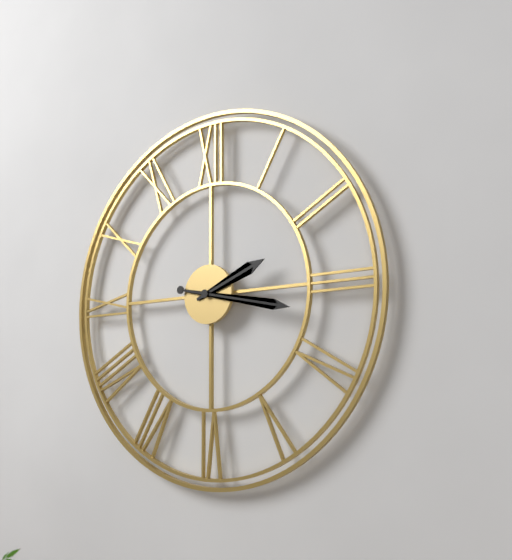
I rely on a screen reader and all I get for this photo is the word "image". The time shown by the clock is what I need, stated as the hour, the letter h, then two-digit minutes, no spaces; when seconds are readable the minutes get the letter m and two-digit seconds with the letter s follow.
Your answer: 2h17
